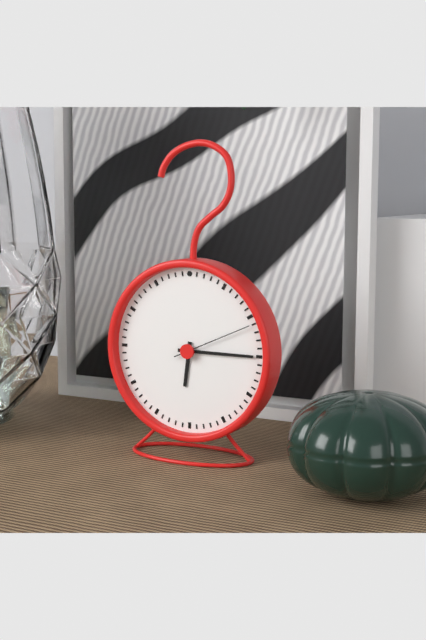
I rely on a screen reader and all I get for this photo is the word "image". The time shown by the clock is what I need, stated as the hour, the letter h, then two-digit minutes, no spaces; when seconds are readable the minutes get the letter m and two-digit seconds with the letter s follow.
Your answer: 6h15m11s
